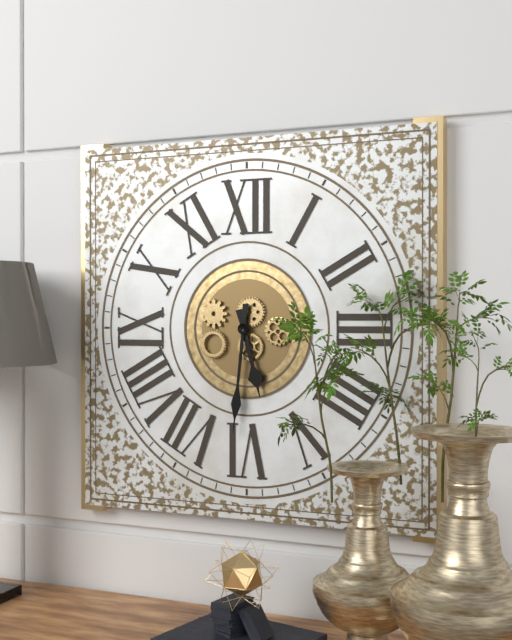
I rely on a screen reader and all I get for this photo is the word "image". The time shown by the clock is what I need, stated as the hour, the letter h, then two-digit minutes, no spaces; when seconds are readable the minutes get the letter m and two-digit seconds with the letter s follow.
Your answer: 5h31
